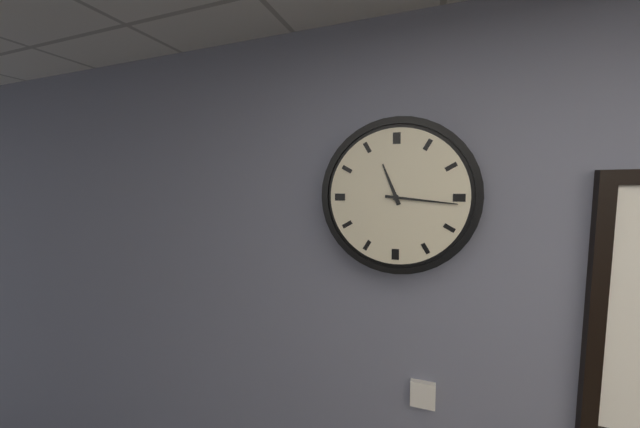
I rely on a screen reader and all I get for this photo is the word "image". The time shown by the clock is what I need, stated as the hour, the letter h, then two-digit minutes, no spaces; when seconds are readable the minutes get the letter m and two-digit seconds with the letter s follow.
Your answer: 11h16
